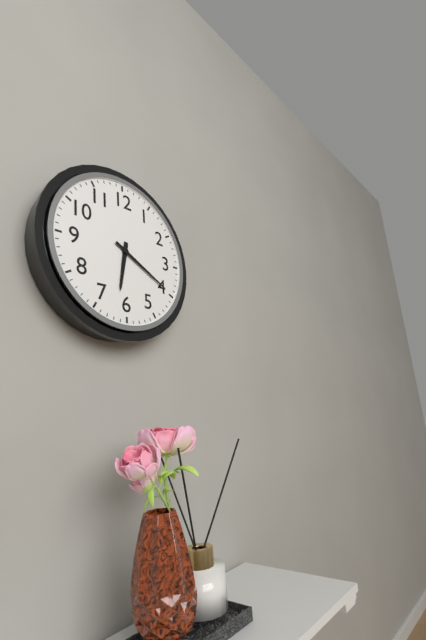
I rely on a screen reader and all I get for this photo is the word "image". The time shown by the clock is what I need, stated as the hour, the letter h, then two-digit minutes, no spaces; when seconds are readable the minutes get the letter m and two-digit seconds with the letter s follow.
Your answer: 6h20
